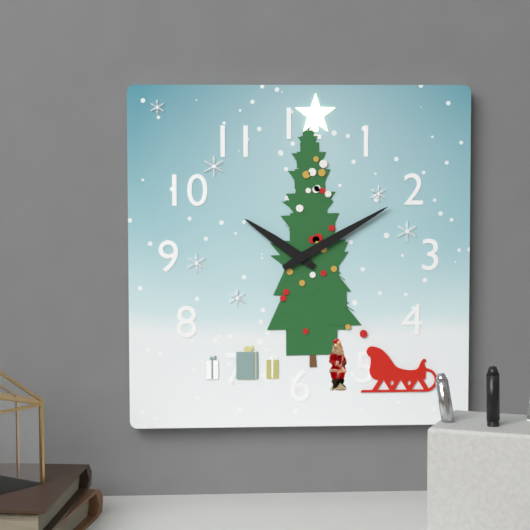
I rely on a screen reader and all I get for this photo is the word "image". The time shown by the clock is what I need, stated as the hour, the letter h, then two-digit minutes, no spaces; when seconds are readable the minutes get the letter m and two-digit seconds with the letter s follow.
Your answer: 10h10
